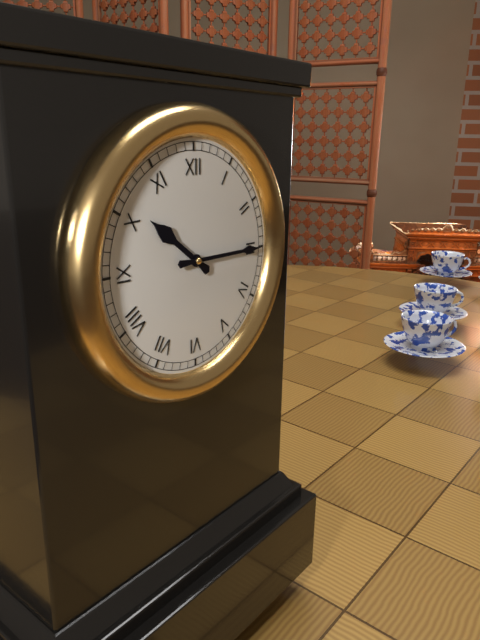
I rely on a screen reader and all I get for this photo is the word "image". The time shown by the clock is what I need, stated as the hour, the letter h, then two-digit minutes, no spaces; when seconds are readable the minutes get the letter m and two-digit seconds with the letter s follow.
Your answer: 10h15
